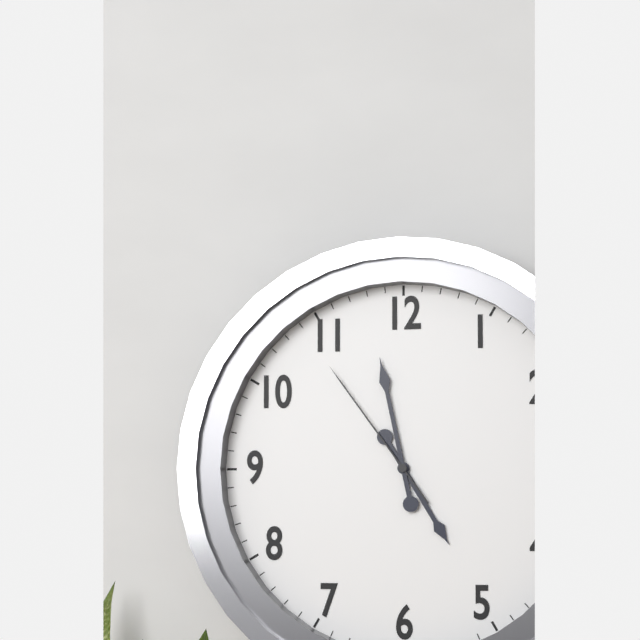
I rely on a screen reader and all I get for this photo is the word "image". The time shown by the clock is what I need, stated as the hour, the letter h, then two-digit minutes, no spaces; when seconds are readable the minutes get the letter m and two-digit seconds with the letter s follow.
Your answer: 4h58m54s
